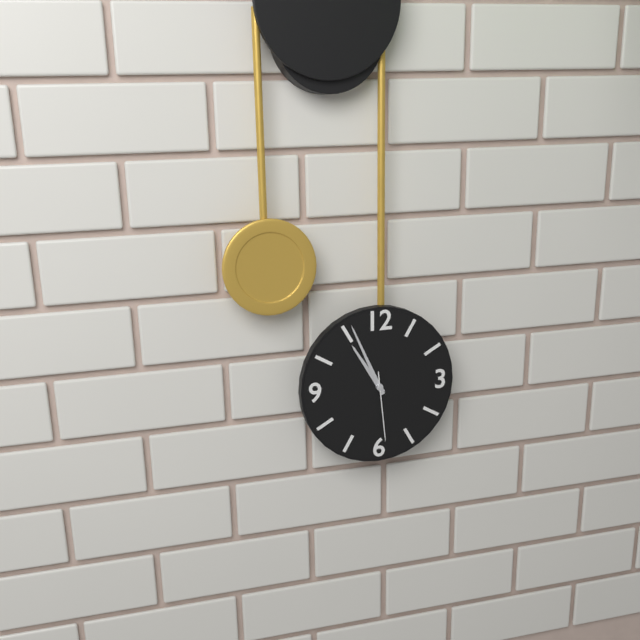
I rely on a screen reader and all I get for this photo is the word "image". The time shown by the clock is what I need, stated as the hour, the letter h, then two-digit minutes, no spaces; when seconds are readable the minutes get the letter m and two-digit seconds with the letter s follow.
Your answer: 10h56m29s
